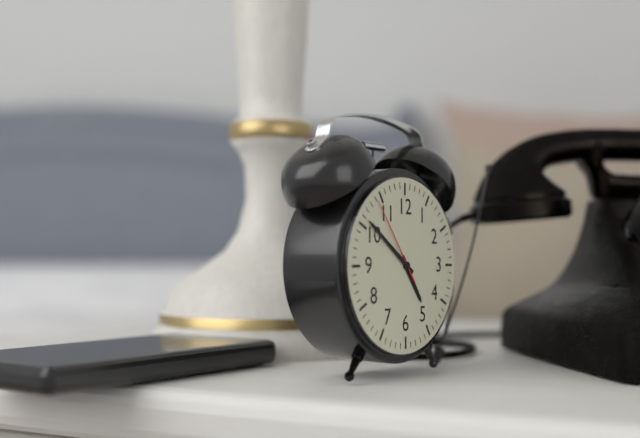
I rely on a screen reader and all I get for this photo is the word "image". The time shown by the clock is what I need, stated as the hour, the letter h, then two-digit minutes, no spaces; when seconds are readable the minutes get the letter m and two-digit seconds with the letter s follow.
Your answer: 4h51m54s
